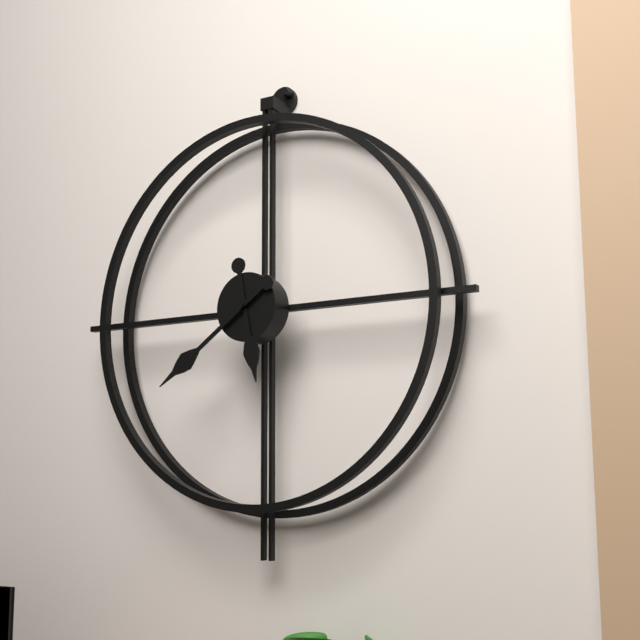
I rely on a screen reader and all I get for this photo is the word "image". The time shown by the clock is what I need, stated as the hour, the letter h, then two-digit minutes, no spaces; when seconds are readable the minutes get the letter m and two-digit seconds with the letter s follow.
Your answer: 5h39
